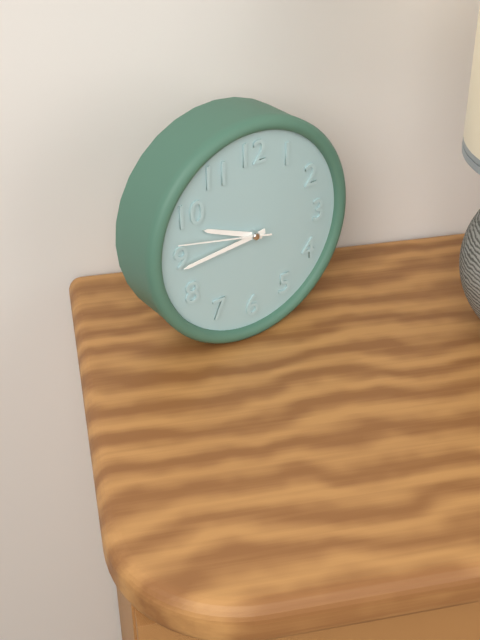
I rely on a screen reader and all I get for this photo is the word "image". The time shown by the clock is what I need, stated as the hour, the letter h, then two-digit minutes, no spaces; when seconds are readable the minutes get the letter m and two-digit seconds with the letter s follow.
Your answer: 9h44m47s
